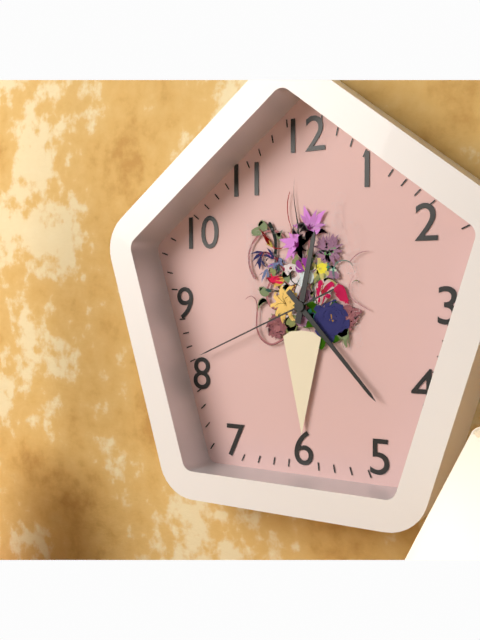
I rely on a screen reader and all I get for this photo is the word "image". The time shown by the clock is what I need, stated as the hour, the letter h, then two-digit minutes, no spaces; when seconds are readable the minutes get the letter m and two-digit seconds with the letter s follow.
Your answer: 12h23m41s
